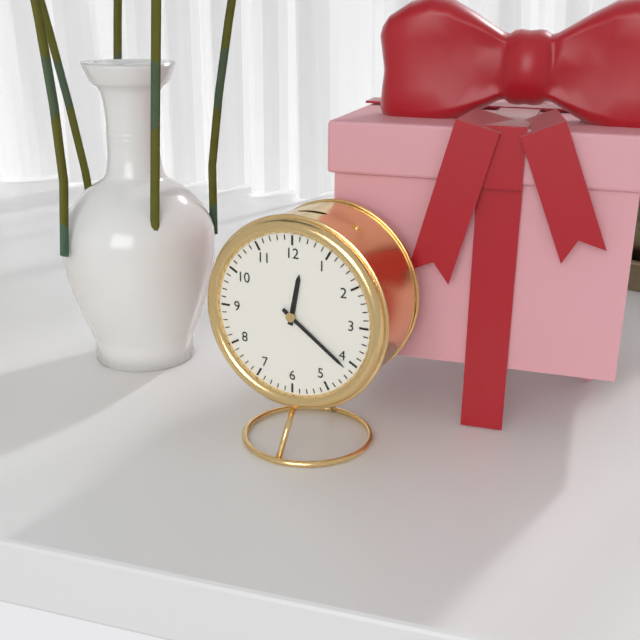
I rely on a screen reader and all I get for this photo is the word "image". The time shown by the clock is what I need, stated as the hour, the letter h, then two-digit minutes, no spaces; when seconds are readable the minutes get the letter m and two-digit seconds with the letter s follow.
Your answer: 12h21
